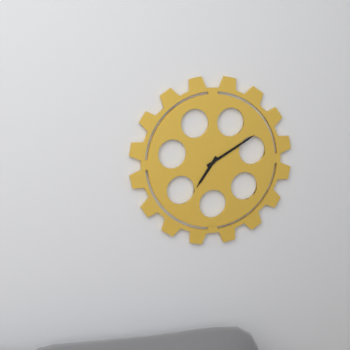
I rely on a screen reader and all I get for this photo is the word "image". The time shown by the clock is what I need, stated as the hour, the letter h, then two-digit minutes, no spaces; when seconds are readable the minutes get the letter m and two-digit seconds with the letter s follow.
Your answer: 7h10
